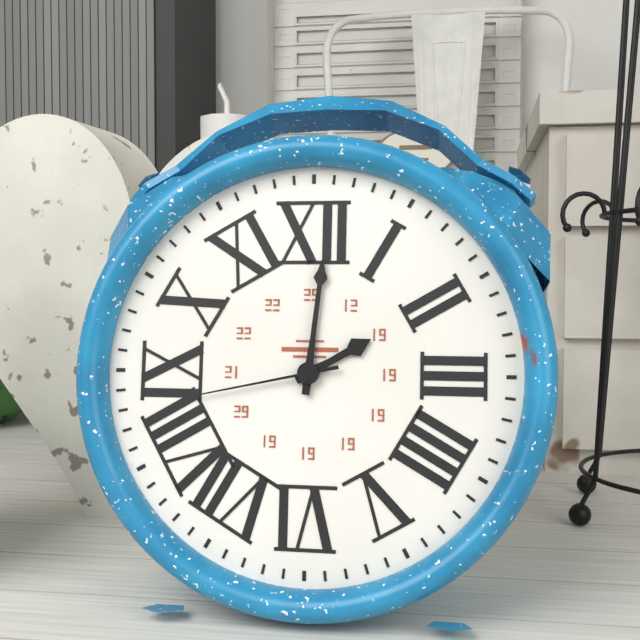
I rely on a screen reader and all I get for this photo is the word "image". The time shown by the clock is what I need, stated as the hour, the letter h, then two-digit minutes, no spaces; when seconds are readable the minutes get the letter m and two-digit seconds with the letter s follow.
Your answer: 2h01m43s
